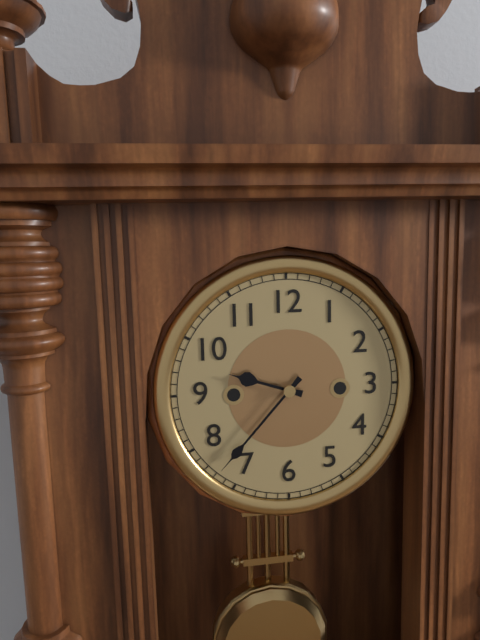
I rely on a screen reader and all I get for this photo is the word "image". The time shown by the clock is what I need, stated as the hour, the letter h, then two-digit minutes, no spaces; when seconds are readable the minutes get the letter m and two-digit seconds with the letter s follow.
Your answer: 9h37
